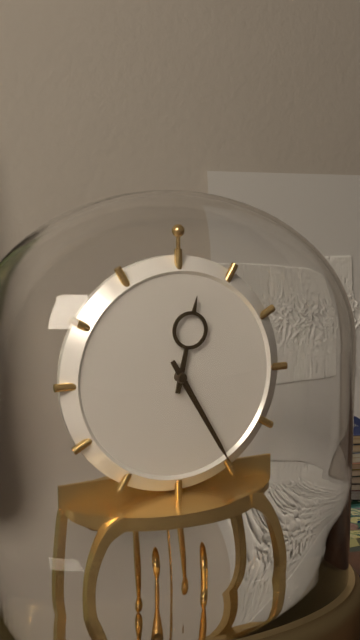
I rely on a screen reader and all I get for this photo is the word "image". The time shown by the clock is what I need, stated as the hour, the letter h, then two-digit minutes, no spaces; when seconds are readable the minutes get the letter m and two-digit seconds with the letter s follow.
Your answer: 12h25
